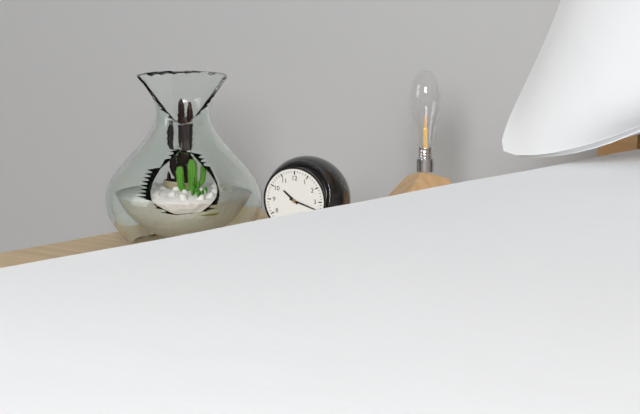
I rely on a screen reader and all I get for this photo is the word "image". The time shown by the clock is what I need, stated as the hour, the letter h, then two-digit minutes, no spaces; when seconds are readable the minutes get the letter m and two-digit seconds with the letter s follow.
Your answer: 10h18
